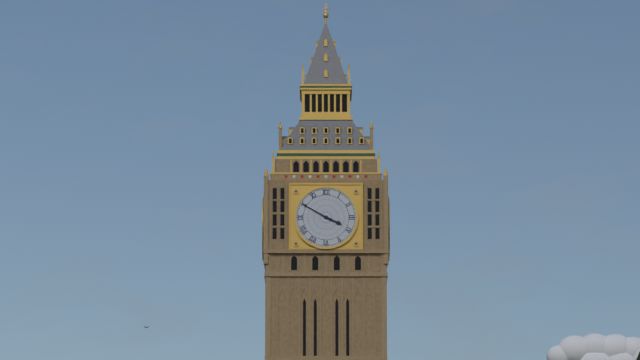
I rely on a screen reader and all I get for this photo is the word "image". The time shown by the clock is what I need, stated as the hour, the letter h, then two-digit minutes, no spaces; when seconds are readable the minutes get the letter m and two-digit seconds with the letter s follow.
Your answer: 3h50
